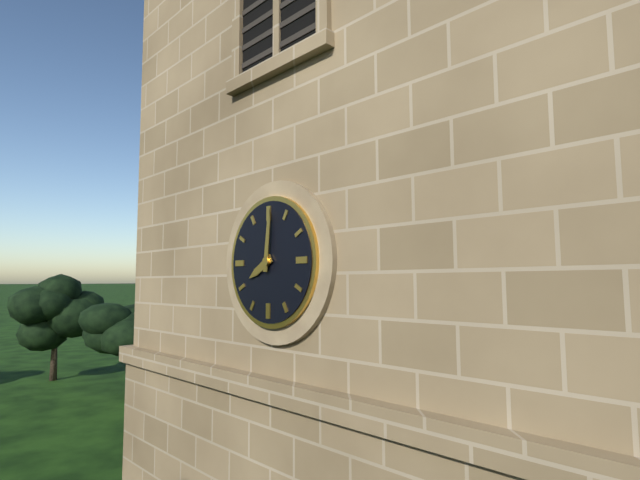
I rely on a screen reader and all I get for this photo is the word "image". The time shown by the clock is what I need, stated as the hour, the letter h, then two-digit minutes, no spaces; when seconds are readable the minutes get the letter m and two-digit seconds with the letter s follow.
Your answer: 8h01
